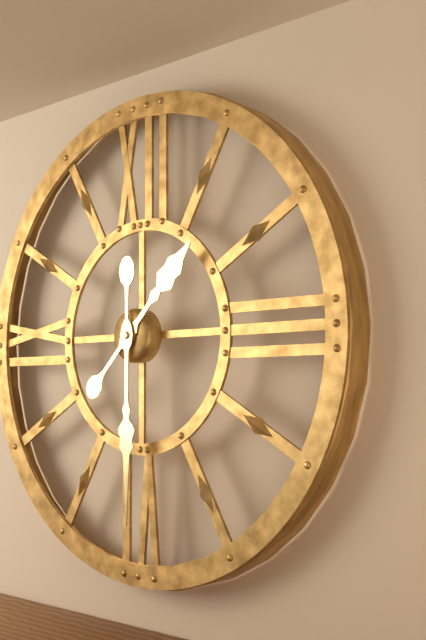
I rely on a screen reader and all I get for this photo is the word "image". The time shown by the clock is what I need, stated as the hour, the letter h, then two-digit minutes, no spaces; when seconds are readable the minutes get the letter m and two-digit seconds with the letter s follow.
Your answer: 1h30
